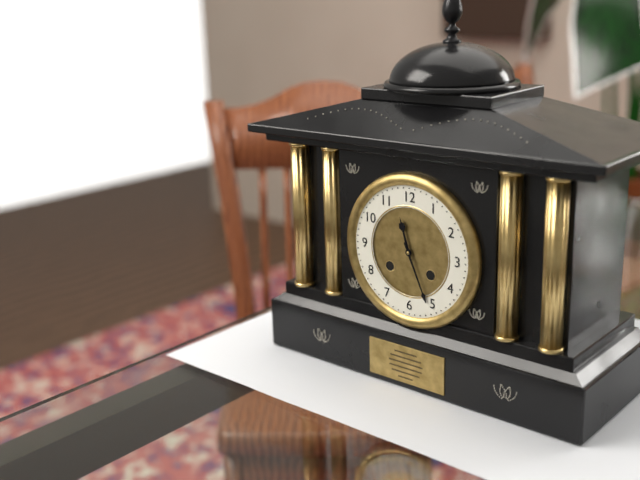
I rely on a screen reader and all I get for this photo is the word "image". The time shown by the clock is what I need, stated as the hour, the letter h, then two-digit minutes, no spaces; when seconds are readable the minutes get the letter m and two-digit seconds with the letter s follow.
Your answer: 11h26
